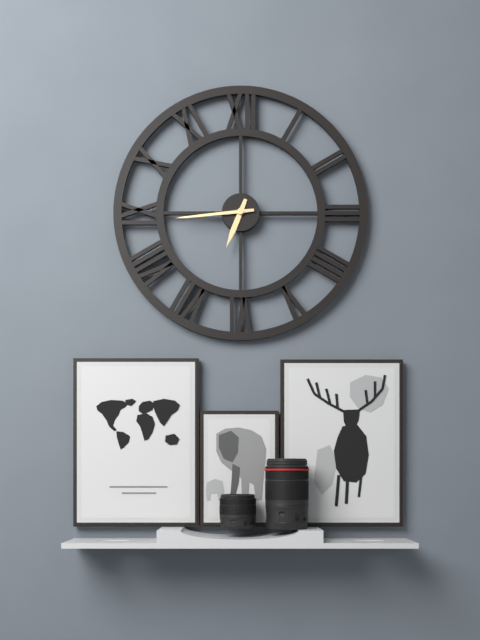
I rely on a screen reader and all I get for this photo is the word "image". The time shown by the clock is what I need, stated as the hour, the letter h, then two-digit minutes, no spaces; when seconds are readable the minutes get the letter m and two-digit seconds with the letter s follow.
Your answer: 6h44
